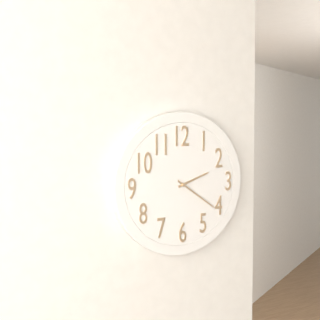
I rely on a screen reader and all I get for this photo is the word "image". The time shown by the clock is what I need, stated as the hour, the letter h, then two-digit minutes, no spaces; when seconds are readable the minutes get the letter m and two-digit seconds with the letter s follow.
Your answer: 2h21
